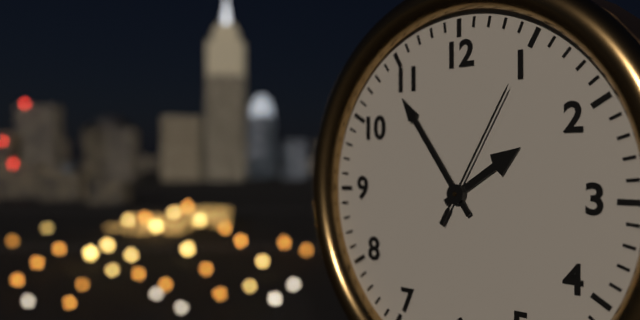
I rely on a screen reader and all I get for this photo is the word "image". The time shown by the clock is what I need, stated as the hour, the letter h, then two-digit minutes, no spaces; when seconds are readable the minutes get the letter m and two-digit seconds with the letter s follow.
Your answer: 1h54m05s
